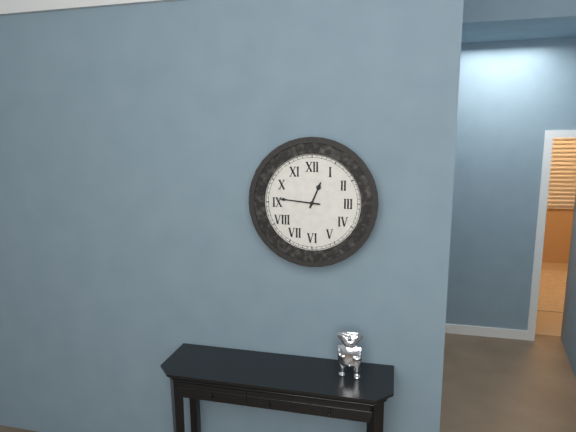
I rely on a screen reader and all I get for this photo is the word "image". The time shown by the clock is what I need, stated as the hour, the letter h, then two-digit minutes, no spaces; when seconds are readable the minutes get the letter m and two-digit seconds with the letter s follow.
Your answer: 12h46
